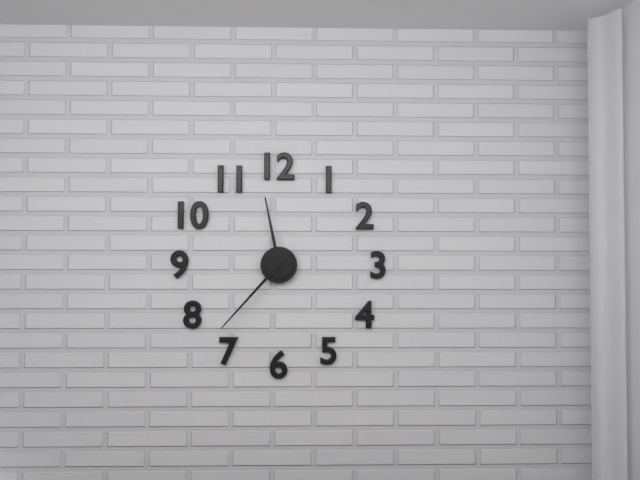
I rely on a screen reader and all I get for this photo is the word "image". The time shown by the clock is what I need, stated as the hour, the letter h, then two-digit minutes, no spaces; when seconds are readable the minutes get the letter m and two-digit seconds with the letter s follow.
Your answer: 11h37
